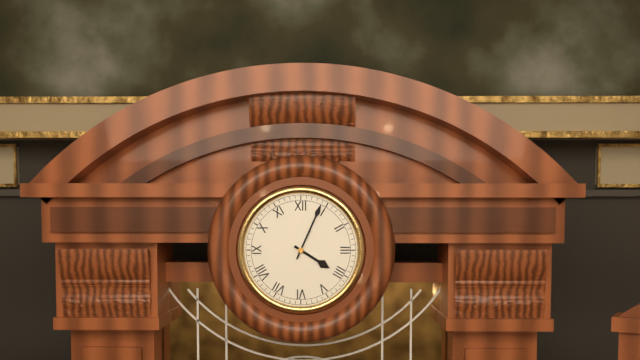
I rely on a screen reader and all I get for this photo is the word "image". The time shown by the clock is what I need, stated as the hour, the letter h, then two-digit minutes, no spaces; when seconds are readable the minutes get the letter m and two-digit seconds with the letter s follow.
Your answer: 4h04
